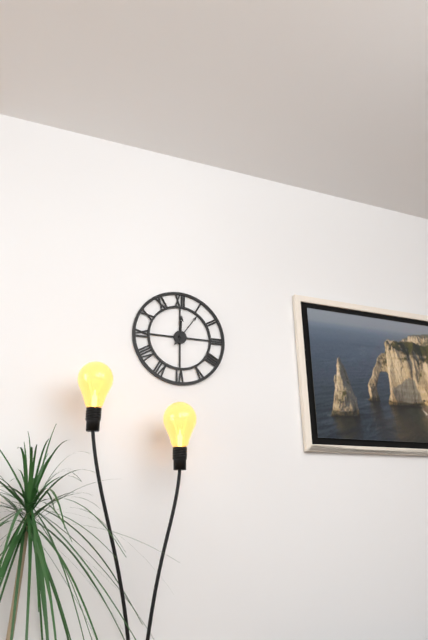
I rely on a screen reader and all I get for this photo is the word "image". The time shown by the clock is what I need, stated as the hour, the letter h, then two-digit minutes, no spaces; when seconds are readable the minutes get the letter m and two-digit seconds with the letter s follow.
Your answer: 12h06
